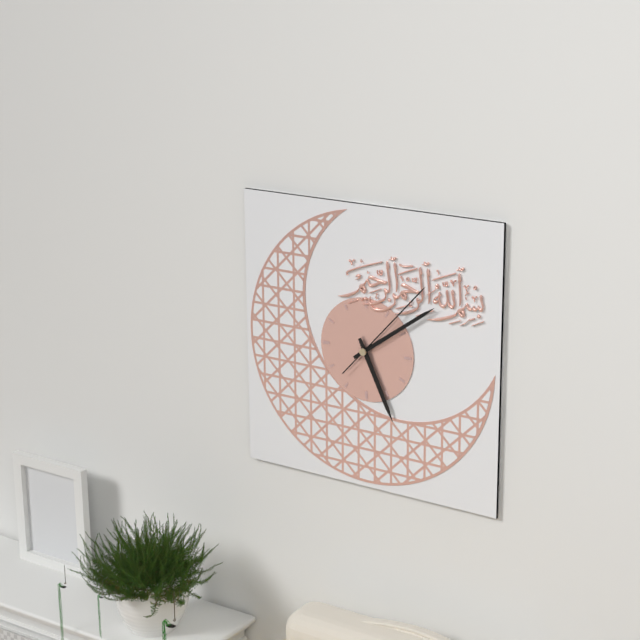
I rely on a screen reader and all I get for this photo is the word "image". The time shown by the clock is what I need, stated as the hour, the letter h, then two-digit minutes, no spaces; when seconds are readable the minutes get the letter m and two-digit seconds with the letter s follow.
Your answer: 5h09m07s
